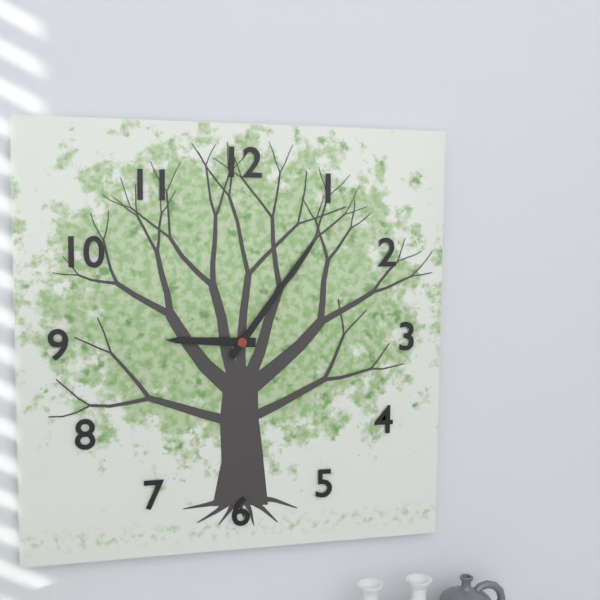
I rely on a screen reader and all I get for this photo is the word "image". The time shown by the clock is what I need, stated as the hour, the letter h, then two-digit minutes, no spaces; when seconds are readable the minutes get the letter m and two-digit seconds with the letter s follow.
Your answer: 9h06
